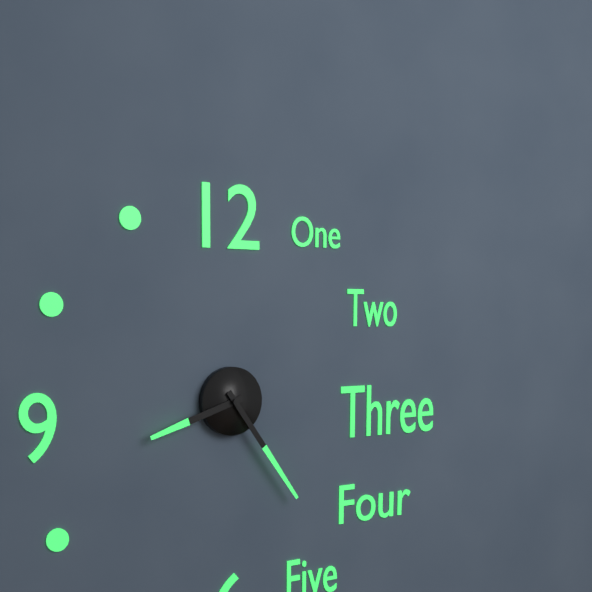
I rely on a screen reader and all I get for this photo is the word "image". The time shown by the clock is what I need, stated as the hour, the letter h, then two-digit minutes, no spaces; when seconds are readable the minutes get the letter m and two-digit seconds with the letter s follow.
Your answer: 8h24
